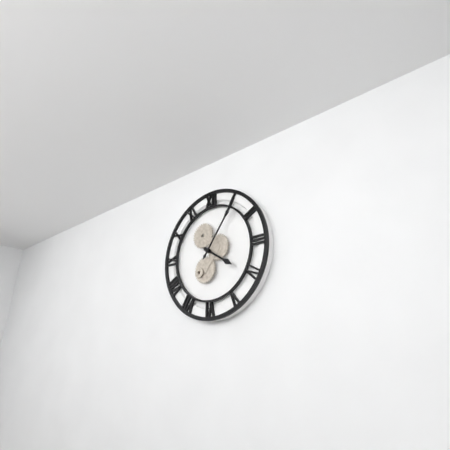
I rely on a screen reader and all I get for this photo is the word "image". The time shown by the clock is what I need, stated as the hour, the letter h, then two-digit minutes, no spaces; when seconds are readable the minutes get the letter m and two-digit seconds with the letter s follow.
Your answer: 4h06
